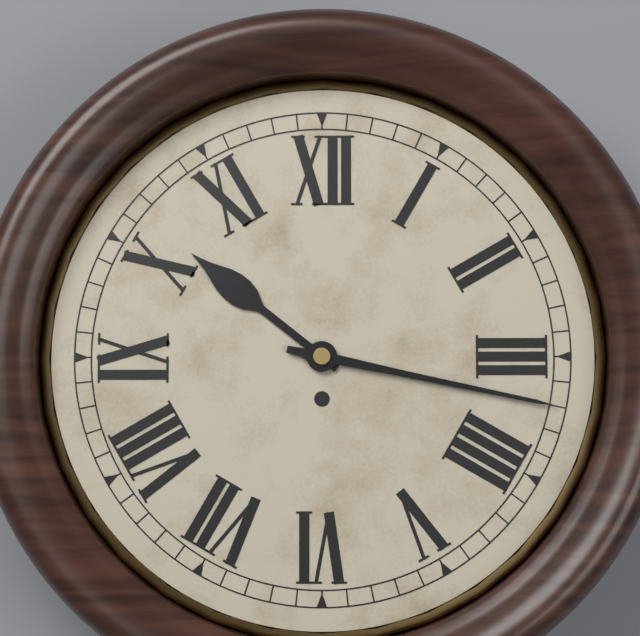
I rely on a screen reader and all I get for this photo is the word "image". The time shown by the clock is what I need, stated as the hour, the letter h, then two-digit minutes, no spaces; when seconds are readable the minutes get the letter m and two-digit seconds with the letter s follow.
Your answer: 10h17
